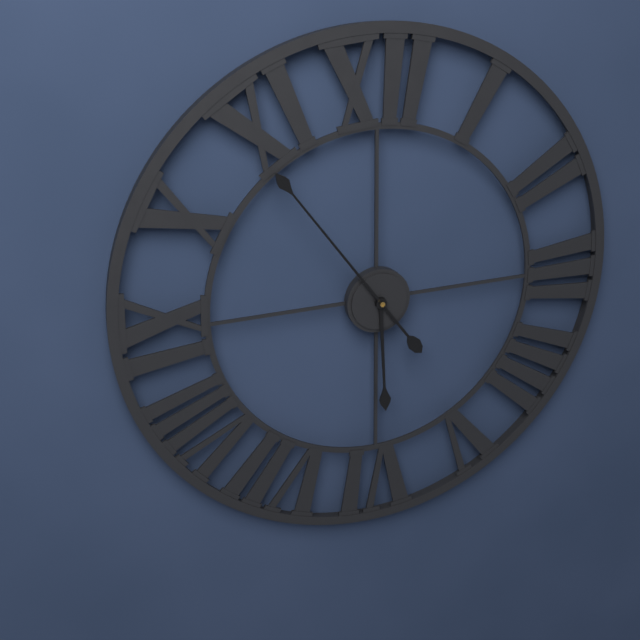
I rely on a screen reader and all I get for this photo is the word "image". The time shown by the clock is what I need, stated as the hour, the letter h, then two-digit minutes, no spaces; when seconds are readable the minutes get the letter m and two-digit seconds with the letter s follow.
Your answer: 5h54
